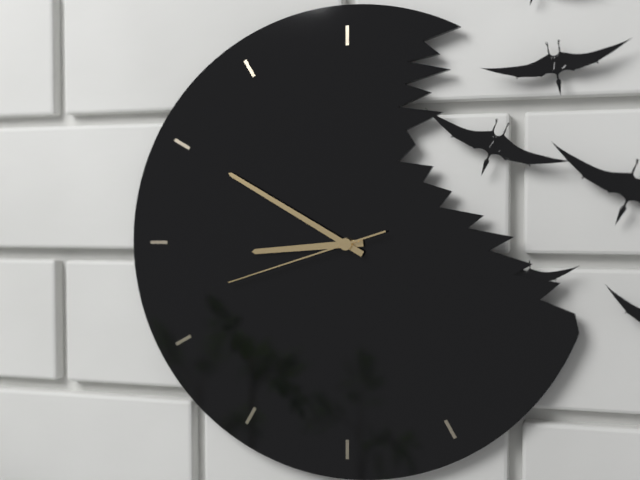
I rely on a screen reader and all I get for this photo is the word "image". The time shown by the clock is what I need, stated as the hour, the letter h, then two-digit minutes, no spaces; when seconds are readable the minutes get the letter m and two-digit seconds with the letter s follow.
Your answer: 8h50m42s
